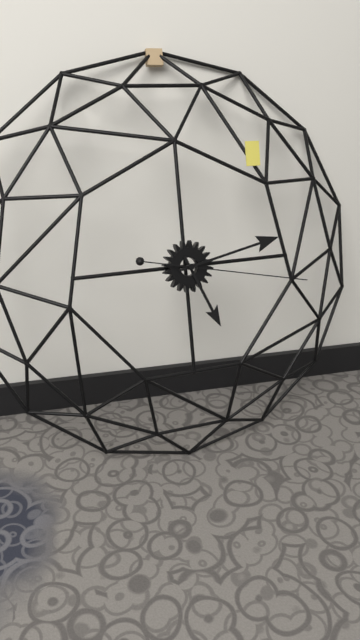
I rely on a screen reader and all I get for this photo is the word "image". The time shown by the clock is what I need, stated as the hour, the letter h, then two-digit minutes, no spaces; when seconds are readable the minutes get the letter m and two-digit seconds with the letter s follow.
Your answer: 5h13m17s
